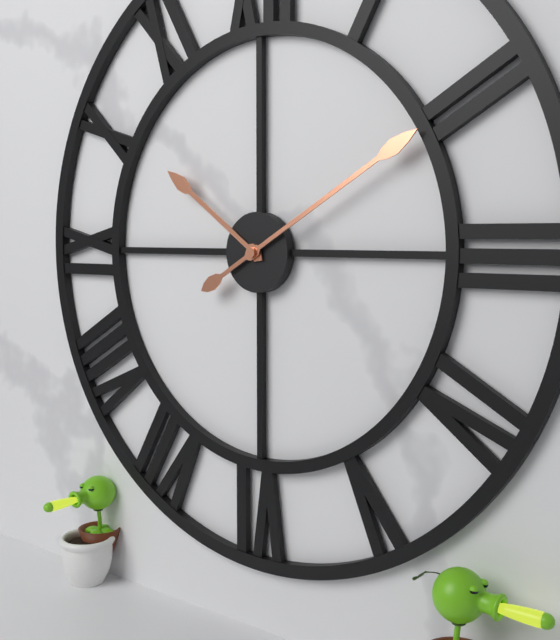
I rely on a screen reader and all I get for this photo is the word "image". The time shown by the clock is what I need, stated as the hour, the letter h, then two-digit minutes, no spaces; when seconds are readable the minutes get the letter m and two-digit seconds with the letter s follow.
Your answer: 10h10
